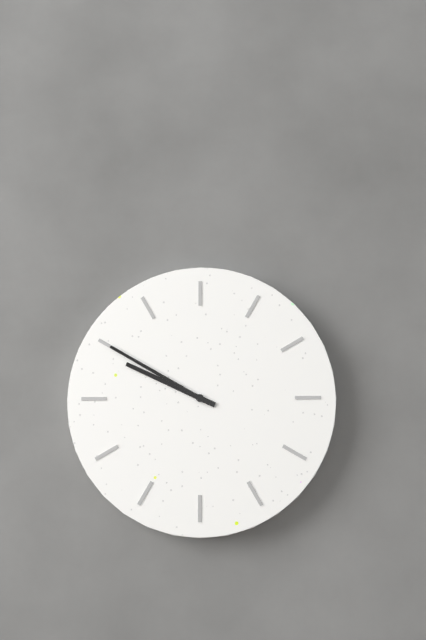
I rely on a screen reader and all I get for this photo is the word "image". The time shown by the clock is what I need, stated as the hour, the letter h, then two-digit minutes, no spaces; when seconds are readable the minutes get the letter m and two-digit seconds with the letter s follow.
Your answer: 9h50
